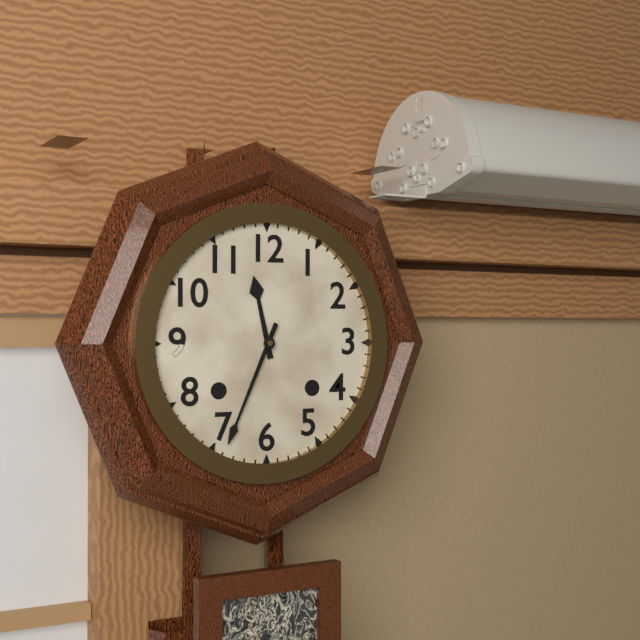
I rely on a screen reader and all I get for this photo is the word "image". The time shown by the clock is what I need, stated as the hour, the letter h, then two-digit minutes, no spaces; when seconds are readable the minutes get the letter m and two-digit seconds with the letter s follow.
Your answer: 11h34
